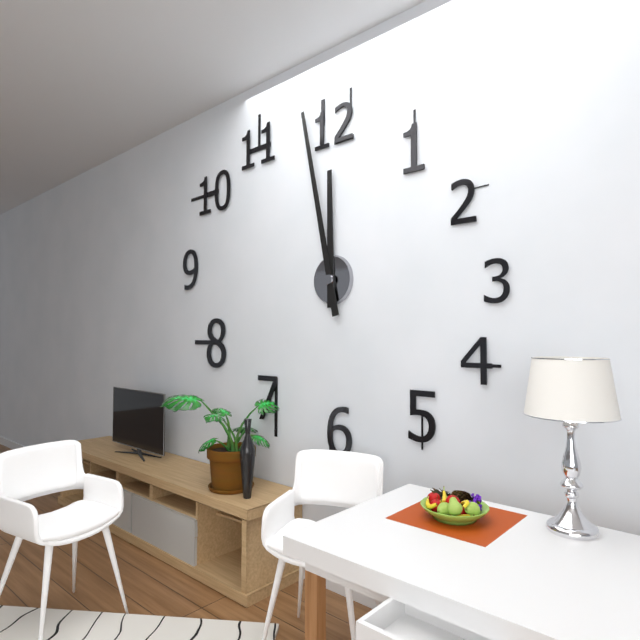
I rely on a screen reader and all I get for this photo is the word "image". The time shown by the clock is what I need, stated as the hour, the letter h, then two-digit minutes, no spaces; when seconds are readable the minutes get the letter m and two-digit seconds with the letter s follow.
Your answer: 11h58
